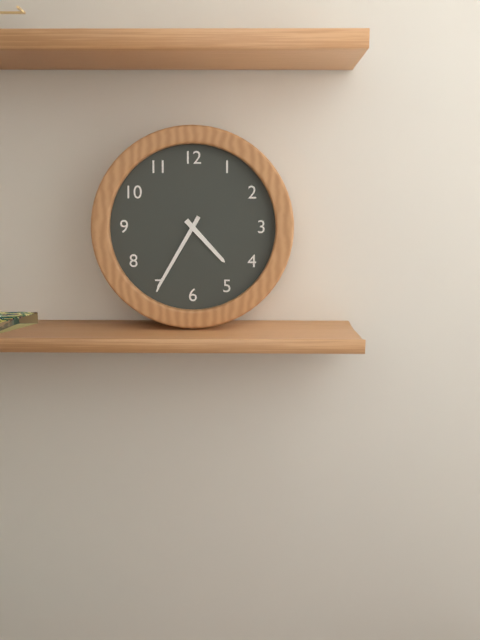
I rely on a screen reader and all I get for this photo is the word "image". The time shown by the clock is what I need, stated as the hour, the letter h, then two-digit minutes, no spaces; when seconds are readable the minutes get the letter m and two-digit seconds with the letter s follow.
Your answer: 4h35
